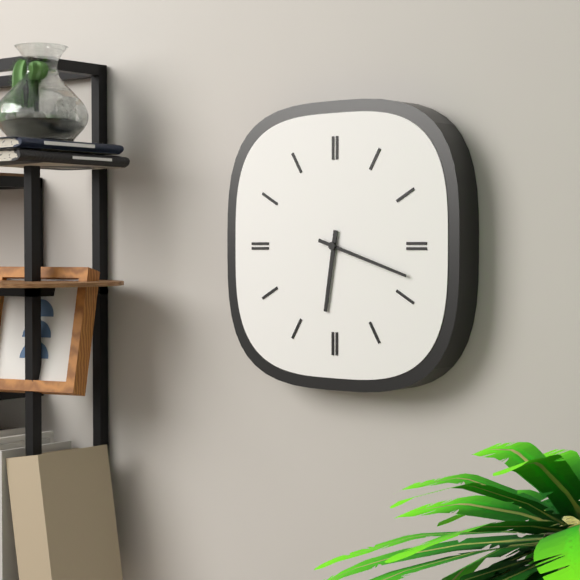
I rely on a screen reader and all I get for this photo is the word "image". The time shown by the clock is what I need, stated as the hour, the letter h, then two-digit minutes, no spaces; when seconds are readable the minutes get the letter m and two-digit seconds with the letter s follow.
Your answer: 6h18
